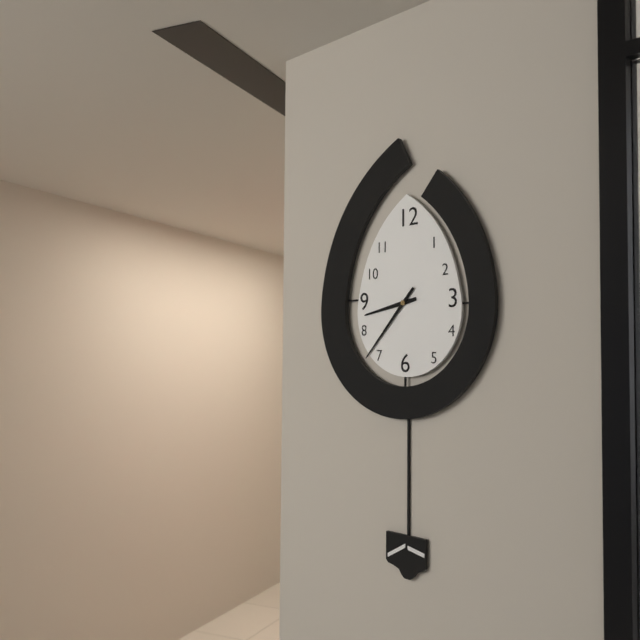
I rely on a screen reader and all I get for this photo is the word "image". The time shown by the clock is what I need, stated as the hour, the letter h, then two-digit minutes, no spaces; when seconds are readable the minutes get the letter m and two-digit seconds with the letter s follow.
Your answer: 8h37
